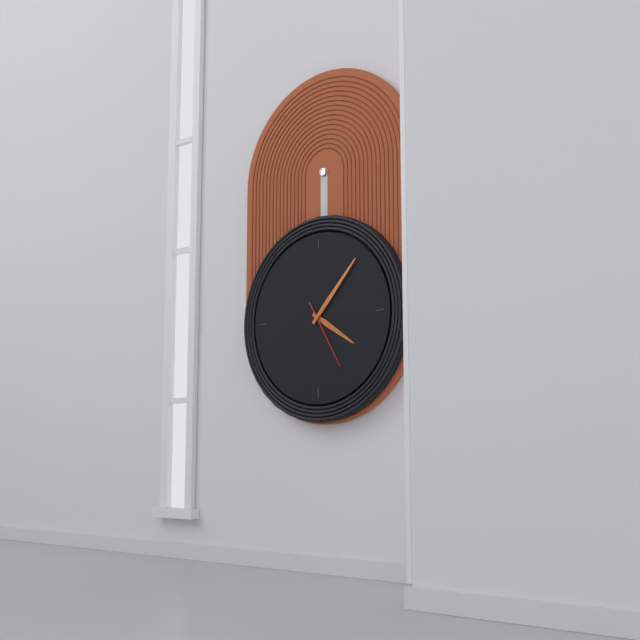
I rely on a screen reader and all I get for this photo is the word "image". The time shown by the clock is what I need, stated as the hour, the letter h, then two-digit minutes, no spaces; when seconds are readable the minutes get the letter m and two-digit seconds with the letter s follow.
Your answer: 4h07m25s
